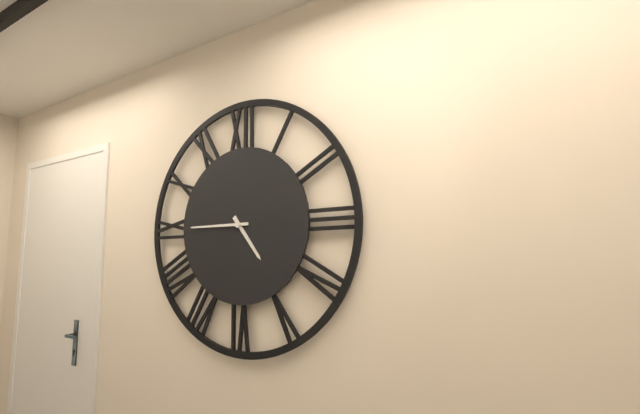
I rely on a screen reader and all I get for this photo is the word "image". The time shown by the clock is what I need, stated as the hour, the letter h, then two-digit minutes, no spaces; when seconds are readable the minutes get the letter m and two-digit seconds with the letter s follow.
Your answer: 4h45
